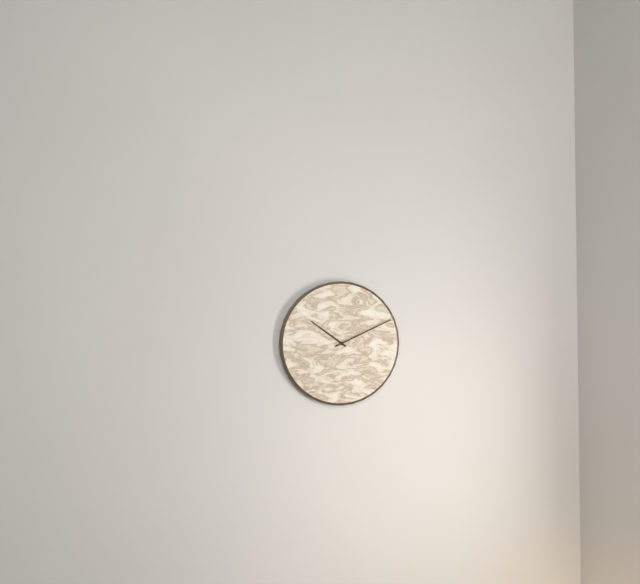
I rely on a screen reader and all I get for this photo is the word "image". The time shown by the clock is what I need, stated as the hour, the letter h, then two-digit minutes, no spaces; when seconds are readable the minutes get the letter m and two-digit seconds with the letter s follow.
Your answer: 10h11
